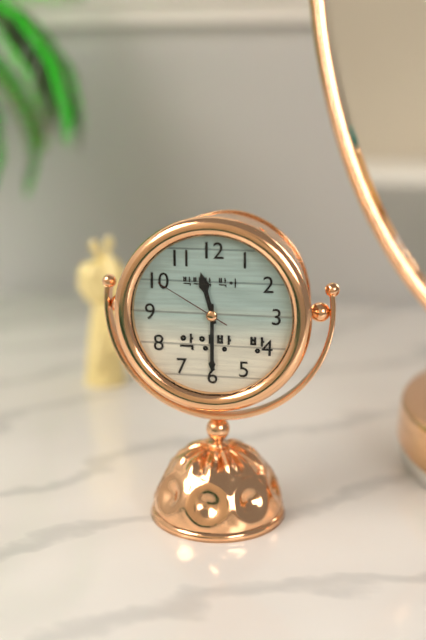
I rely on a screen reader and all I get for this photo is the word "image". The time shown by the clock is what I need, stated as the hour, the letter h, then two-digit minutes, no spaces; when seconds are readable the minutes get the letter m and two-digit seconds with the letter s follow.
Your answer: 11h30m50s
